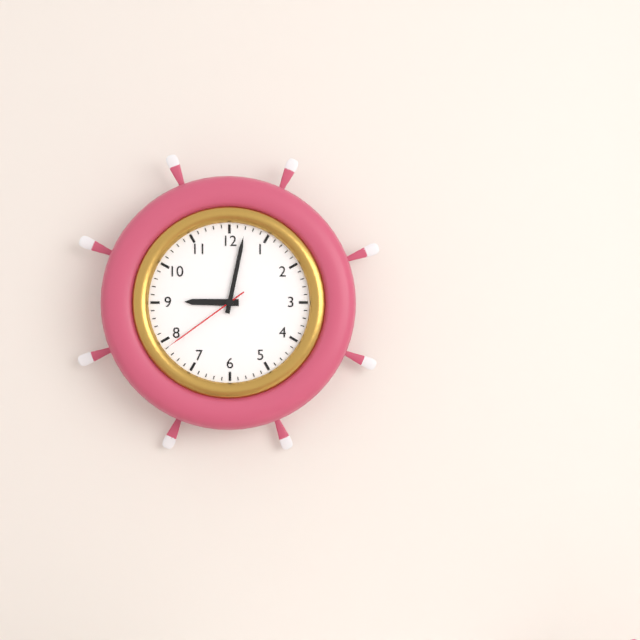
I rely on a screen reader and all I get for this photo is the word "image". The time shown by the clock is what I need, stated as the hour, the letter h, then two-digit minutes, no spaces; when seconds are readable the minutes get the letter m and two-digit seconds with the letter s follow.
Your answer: 9h02m39s
